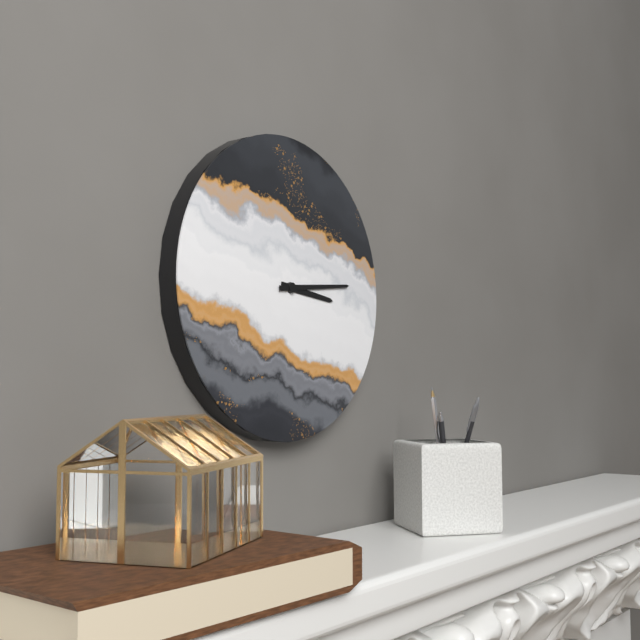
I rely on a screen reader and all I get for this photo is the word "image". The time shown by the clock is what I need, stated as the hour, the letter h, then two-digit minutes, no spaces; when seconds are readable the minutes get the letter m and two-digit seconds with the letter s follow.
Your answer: 3h14
